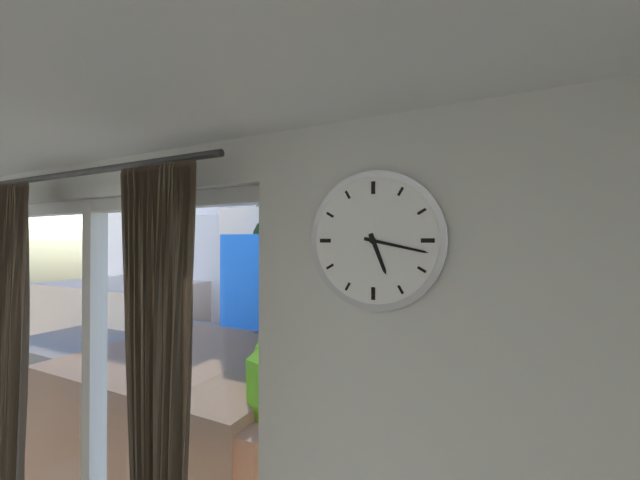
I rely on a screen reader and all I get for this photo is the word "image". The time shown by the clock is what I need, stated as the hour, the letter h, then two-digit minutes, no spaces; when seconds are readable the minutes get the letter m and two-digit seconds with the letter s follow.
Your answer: 5h17
